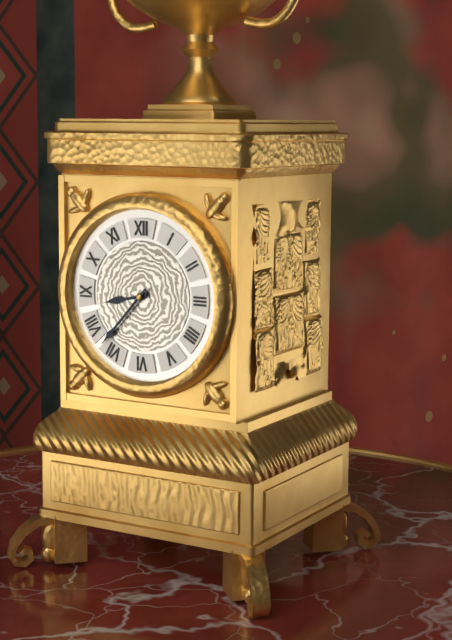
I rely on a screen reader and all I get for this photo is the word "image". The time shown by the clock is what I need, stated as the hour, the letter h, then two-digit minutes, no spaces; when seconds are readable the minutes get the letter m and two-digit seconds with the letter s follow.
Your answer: 8h37
